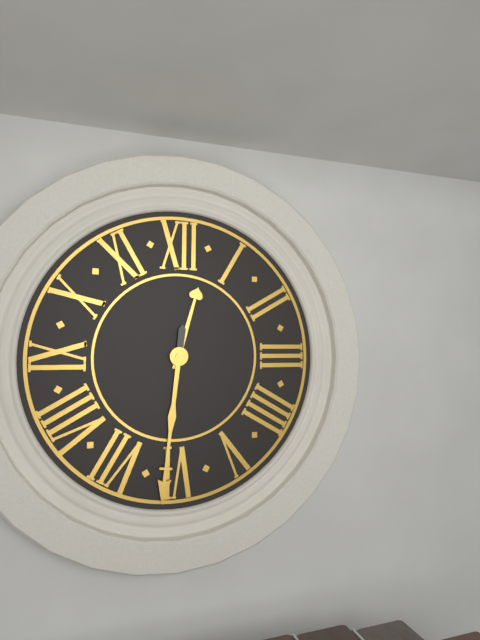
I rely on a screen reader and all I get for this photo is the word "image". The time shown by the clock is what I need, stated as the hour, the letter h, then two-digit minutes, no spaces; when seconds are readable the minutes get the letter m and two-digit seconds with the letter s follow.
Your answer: 12h31
